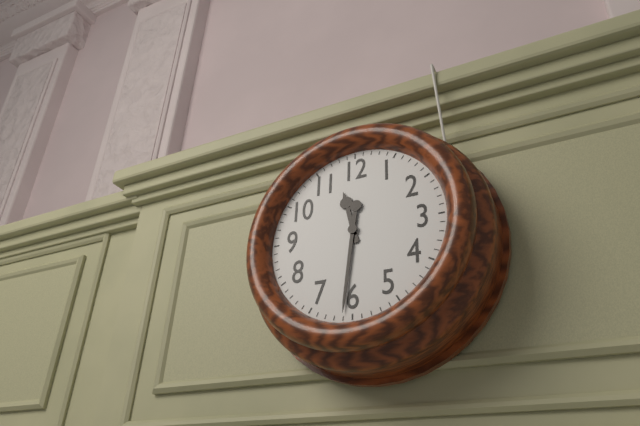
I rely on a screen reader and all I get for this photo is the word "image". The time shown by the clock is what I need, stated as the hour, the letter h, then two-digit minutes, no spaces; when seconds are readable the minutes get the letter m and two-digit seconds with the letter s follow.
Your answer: 11h31
